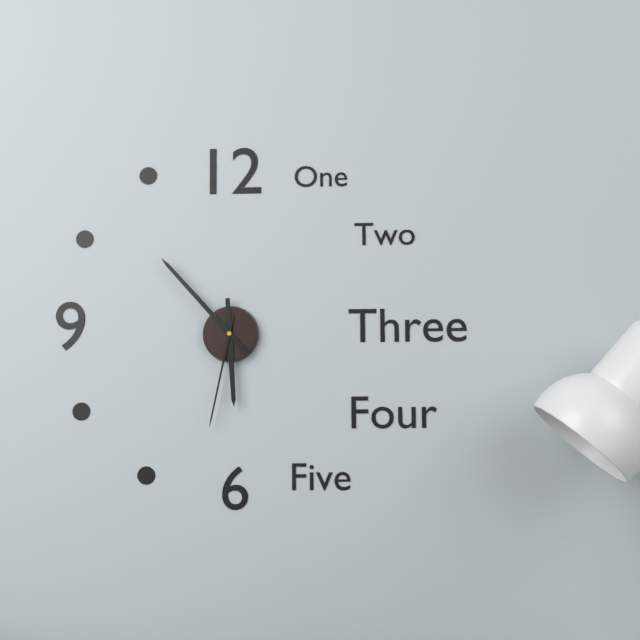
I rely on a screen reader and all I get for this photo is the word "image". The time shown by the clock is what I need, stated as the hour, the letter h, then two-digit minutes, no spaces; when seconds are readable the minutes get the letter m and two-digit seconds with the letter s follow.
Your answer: 5h53m32s
